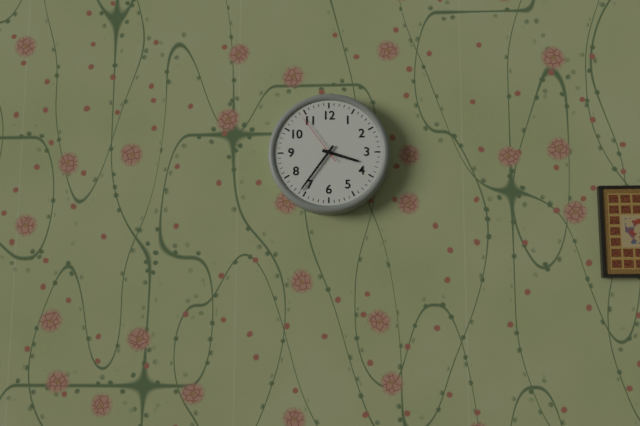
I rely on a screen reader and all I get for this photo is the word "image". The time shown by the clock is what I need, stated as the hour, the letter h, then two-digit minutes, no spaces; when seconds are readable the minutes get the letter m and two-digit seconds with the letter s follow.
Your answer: 3h36m54s
